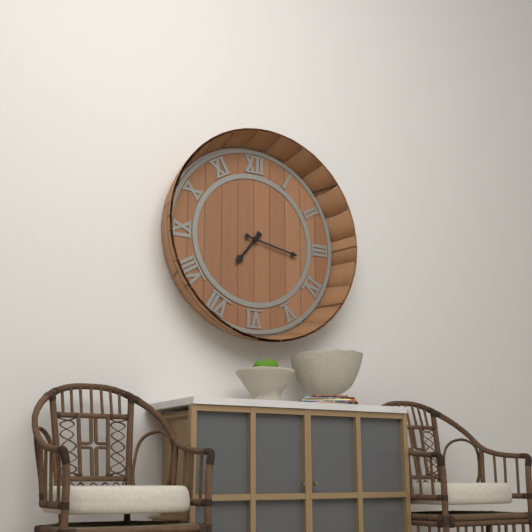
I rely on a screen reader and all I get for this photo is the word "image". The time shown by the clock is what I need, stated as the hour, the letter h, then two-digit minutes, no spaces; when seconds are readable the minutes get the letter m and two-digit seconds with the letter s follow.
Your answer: 7h17
